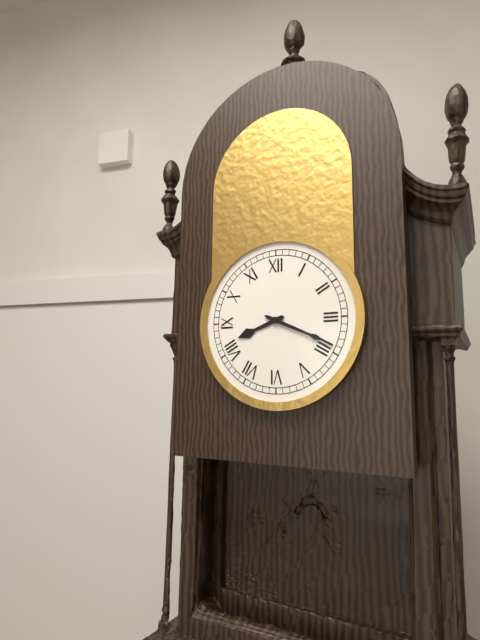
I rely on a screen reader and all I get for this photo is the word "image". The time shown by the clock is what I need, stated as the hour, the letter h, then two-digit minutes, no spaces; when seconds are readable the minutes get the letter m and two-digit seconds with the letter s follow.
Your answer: 8h19
